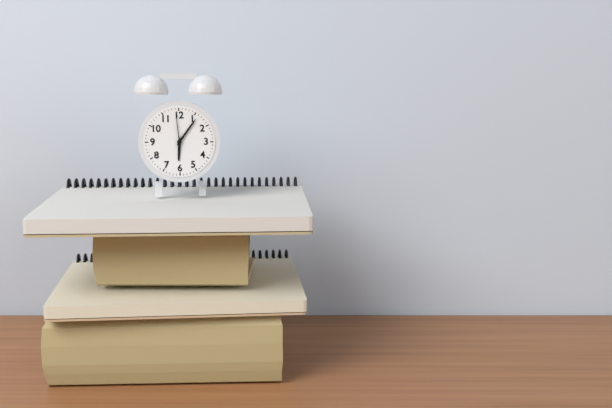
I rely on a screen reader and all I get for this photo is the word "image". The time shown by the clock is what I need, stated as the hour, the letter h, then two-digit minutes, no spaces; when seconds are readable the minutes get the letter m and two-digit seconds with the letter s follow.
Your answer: 6h06
